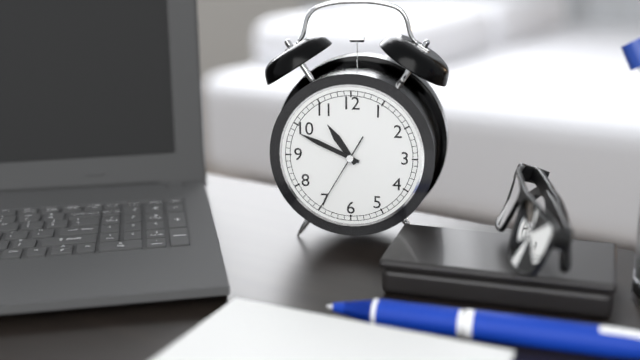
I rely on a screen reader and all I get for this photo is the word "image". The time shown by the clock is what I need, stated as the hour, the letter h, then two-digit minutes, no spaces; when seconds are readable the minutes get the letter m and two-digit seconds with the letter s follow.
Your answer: 10h49m35s
